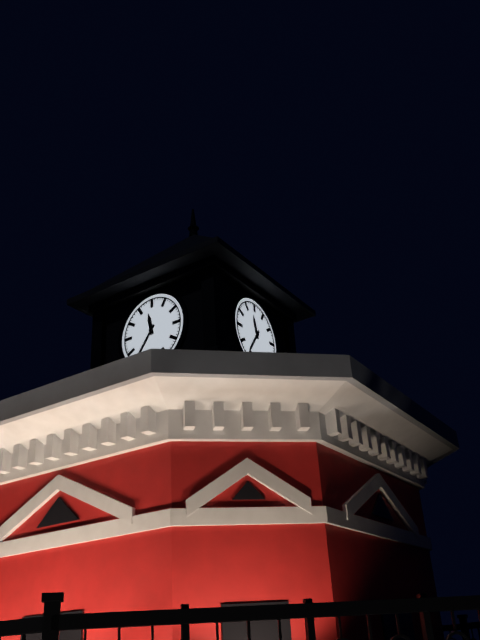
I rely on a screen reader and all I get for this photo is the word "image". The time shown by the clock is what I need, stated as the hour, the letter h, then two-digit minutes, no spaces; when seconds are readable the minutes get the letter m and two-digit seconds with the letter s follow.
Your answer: 11h36
